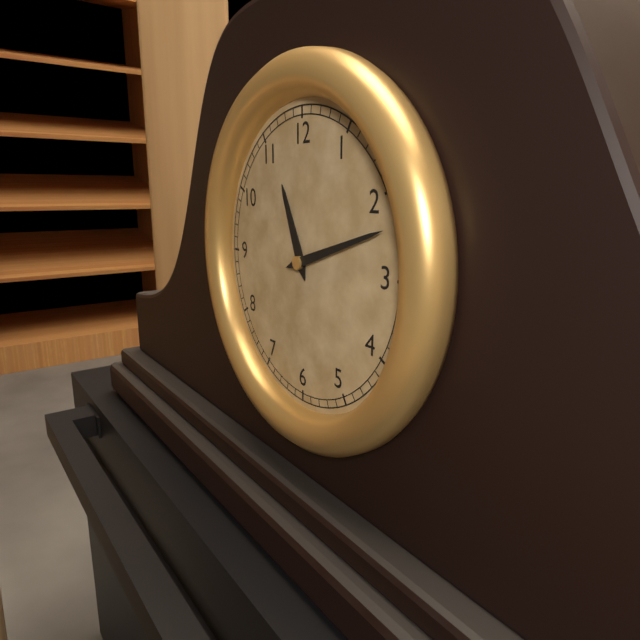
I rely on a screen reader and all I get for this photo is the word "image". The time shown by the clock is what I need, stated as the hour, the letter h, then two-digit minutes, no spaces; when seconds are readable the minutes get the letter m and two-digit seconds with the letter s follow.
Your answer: 11h12
